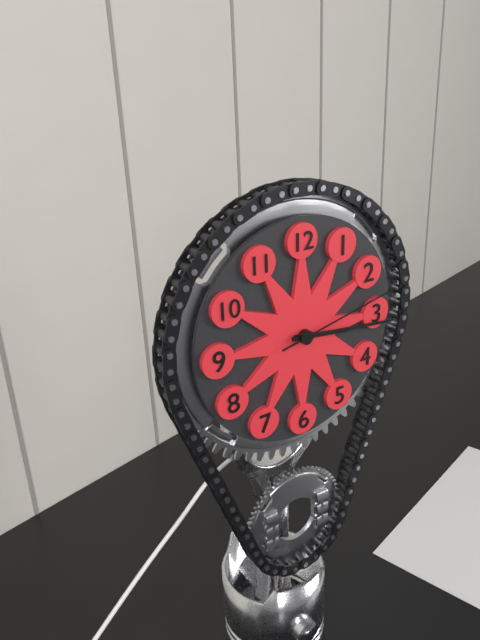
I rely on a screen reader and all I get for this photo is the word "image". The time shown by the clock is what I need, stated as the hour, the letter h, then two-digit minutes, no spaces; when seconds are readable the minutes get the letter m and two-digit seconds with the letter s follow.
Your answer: 3h16m13s
